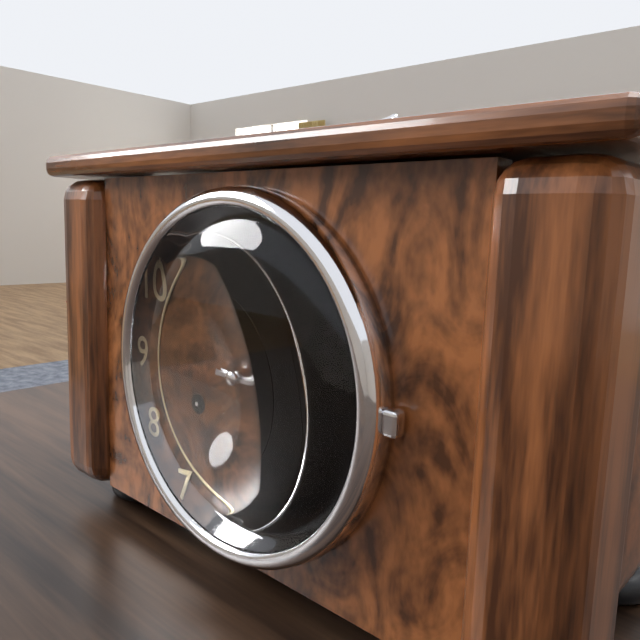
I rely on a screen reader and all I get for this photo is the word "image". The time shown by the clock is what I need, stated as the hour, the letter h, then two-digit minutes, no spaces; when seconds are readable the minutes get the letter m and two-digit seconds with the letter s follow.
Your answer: 3h16
